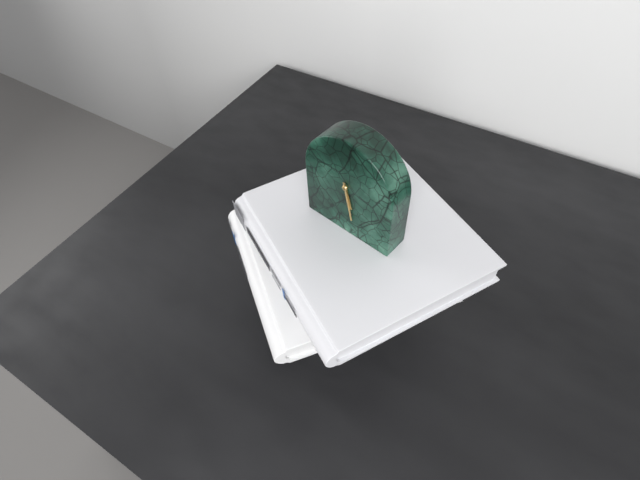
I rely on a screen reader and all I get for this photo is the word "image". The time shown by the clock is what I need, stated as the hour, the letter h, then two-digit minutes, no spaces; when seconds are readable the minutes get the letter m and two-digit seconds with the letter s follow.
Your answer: 5h28
